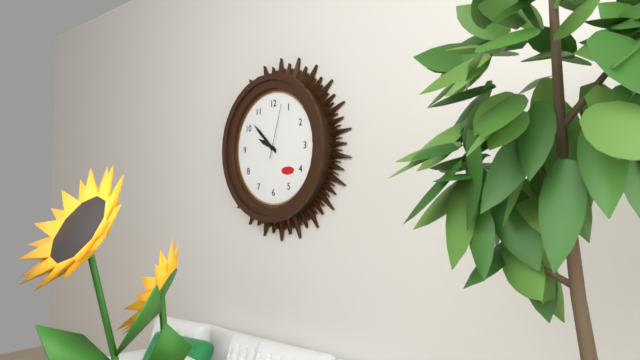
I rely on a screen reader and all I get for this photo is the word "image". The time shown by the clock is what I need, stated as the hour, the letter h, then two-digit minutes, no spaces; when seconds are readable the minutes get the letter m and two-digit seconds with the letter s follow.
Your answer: 9h52m03s
